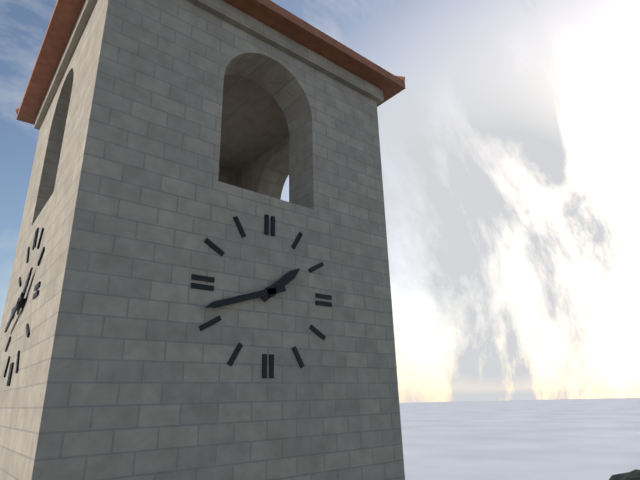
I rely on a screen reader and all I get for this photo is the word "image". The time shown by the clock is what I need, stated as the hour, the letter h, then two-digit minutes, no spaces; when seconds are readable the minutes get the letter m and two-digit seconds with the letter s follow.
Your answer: 1h42
